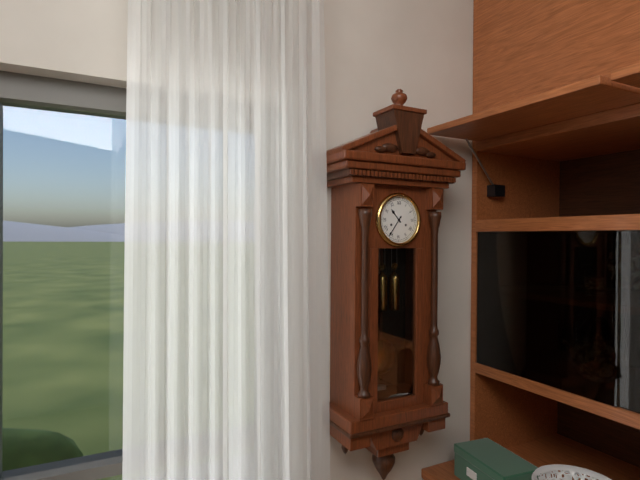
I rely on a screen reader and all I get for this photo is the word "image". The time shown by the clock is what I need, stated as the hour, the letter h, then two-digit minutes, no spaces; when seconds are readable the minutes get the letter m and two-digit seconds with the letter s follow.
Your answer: 10h36
